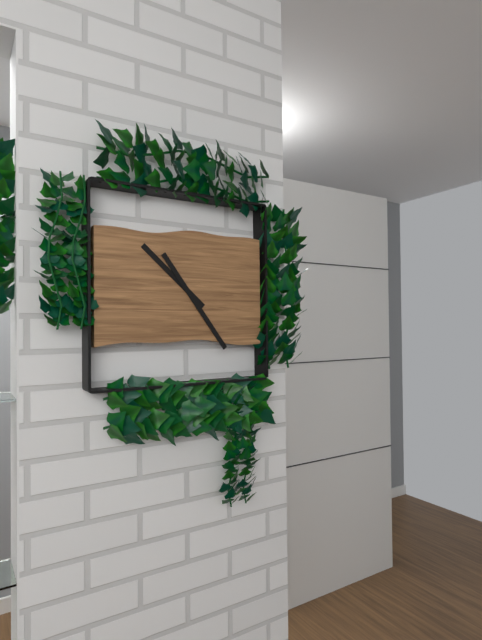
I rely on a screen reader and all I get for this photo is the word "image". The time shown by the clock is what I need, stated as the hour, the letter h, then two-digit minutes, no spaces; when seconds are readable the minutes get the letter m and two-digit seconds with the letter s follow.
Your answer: 10h24
